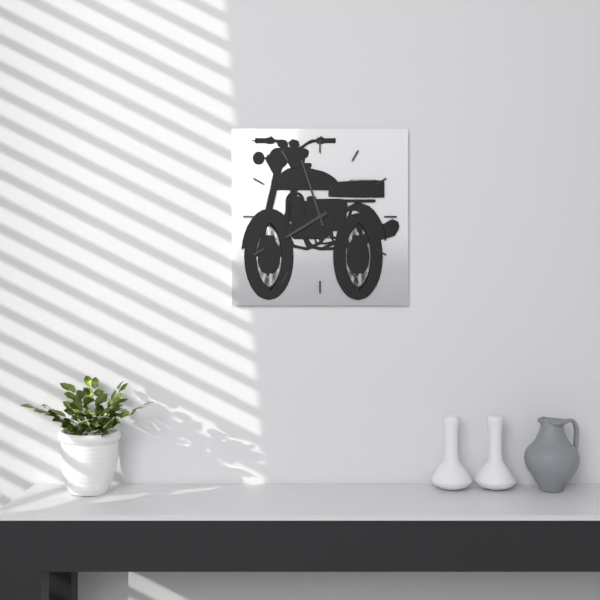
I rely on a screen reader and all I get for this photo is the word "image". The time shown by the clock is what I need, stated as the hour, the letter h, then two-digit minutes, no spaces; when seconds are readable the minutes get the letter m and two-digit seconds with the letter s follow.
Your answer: 7h57
